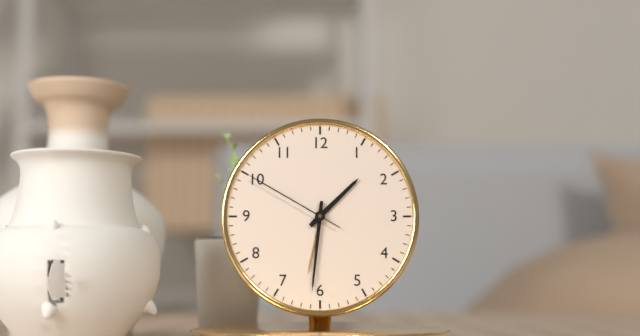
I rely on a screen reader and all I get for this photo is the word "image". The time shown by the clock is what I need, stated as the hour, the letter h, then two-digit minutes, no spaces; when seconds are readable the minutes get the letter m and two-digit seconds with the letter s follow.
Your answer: 1h31m50s
